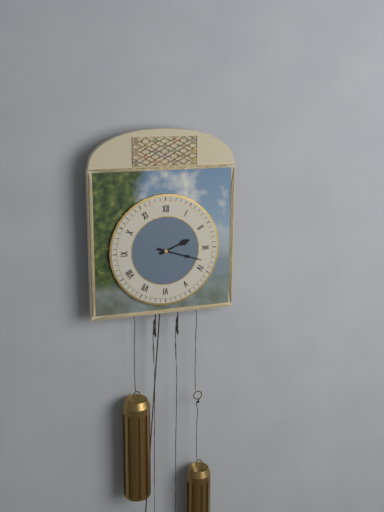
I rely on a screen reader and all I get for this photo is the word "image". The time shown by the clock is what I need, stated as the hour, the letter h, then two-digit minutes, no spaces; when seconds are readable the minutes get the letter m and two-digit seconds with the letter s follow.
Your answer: 2h18
